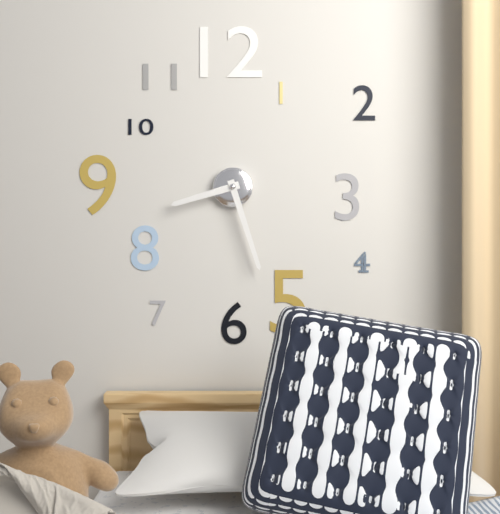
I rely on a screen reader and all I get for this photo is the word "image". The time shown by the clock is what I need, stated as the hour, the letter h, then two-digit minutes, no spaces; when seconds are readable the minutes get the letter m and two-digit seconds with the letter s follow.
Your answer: 8h27
